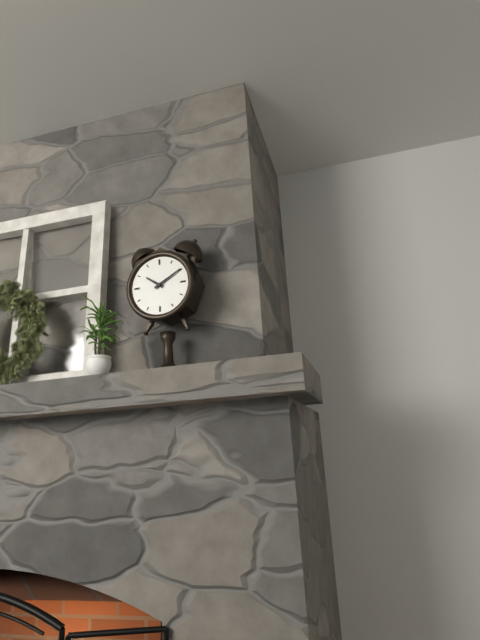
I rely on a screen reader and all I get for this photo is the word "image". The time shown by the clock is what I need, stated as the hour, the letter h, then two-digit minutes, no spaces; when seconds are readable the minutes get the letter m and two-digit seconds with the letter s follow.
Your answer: 10h10
